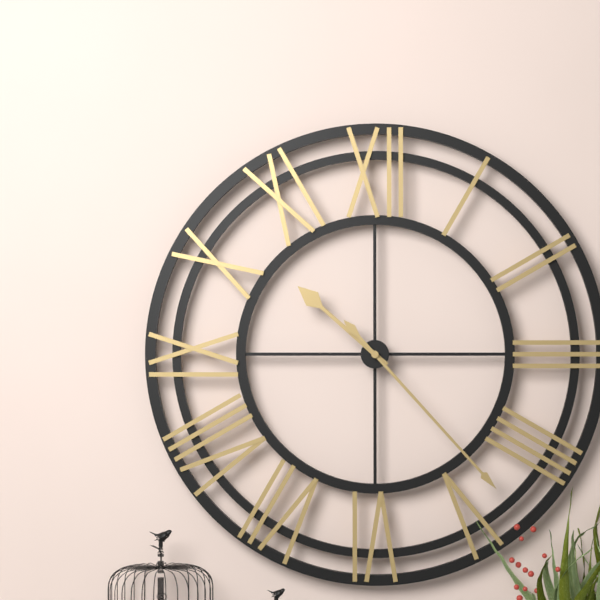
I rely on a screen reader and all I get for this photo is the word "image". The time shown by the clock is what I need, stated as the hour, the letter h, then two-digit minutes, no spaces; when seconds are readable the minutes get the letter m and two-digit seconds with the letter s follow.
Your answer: 10h23
